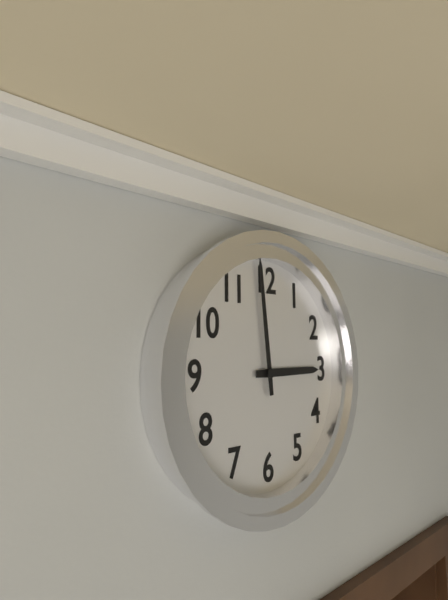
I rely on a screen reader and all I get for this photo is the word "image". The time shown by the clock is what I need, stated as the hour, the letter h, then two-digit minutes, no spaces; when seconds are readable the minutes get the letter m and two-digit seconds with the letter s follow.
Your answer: 2h59
